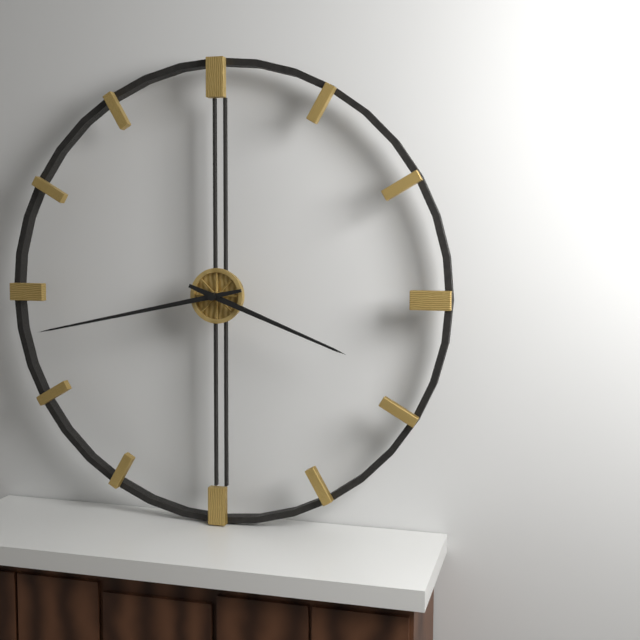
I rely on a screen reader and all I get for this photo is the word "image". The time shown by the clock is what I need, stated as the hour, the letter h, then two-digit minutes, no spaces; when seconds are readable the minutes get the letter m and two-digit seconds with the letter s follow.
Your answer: 3h43
